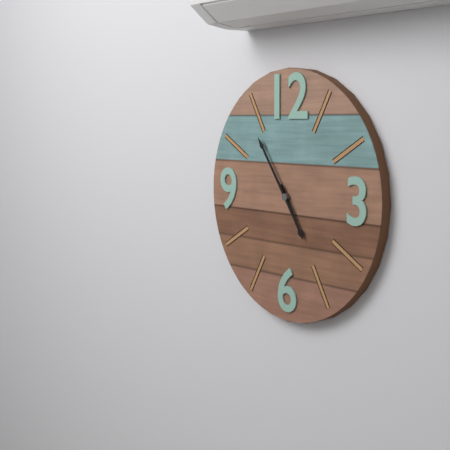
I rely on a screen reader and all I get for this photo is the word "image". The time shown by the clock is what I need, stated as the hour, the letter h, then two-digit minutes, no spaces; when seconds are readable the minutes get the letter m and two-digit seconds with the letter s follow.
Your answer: 4h54
